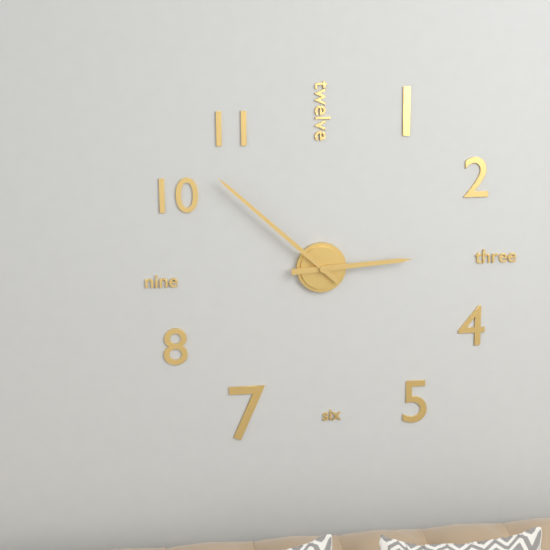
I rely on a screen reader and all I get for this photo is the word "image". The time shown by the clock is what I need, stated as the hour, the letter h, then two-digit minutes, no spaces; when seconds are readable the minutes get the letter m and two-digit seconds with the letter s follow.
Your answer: 2h52
